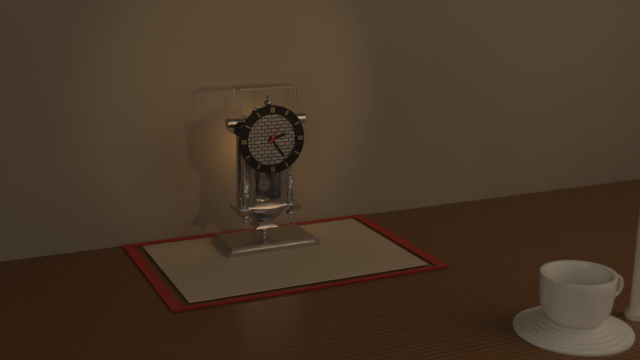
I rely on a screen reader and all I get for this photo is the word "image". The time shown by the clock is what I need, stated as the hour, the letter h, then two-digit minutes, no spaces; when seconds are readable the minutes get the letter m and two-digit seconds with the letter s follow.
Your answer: 2h24
